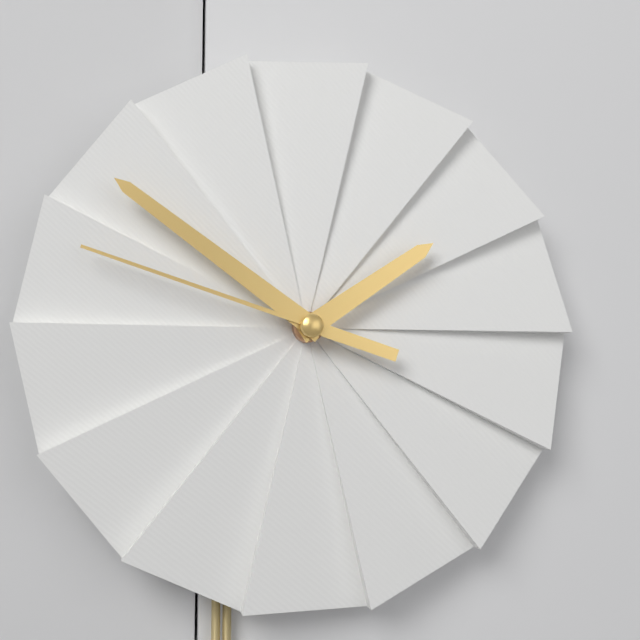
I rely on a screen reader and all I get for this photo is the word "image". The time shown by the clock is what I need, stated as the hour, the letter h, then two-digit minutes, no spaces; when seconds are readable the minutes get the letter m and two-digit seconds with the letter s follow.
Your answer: 1h51m48s
